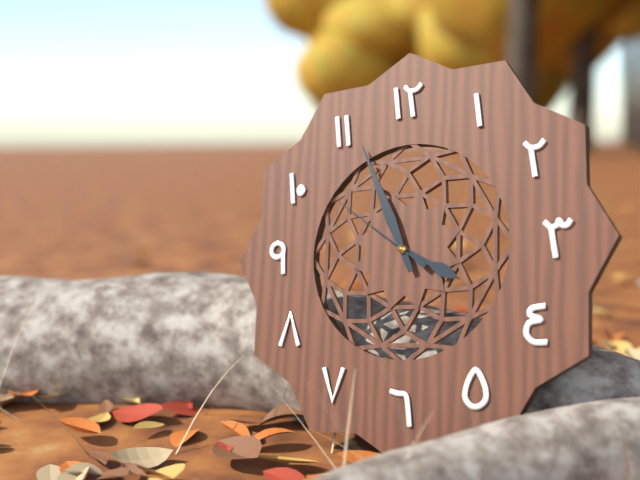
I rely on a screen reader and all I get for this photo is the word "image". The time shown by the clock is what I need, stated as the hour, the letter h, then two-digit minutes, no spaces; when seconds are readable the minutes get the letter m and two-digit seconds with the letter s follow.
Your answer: 3h56m51s
